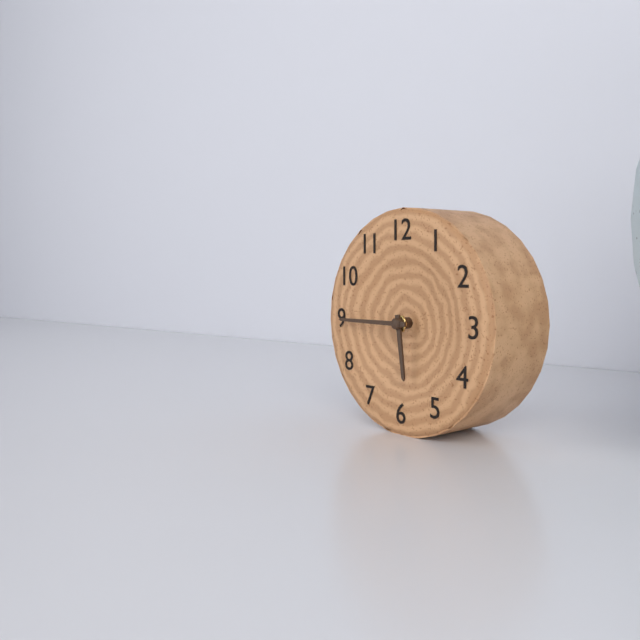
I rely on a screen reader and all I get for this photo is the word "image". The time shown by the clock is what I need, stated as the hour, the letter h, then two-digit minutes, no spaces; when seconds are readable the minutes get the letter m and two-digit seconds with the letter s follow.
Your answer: 5h45
